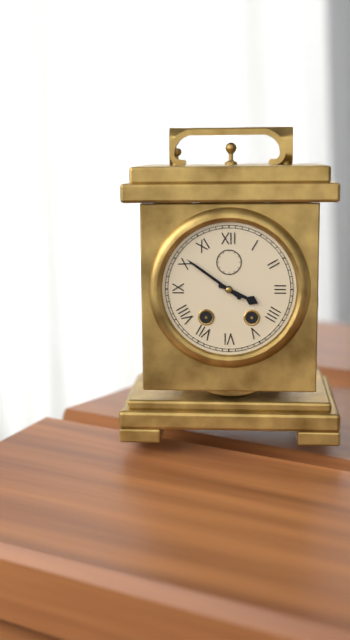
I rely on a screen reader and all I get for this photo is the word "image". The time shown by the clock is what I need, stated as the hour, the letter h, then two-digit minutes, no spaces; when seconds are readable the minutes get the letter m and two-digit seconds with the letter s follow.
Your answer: 3h51
